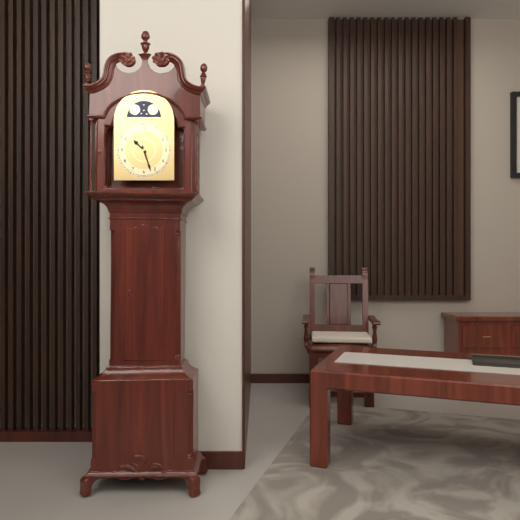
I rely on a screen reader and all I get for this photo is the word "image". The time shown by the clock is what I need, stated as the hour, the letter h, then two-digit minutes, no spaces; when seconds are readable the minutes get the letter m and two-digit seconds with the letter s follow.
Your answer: 10h27
